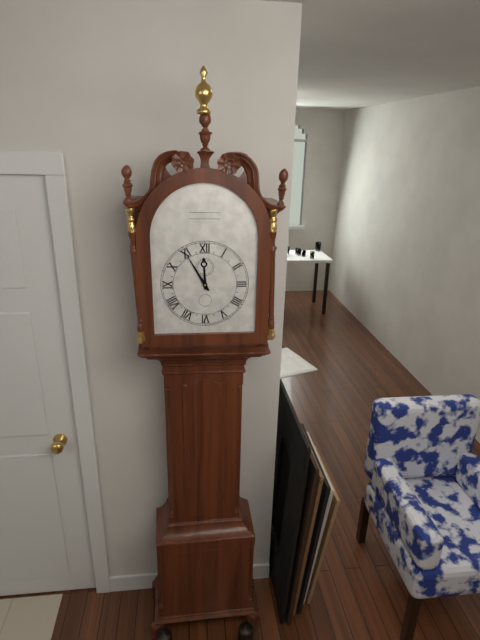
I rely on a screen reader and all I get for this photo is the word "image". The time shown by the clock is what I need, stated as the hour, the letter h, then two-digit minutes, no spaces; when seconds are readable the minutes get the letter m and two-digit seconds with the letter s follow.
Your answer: 11h55
